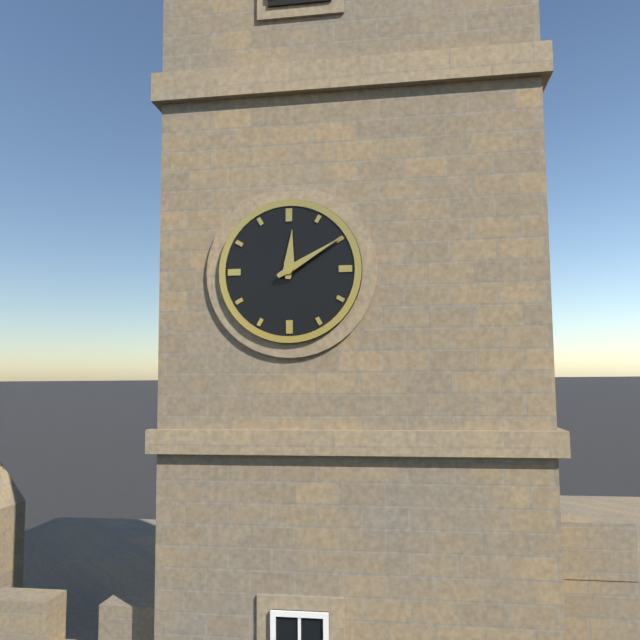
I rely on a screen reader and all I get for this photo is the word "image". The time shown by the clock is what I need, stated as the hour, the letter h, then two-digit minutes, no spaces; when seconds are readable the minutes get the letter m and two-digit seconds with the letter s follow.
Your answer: 12h10
